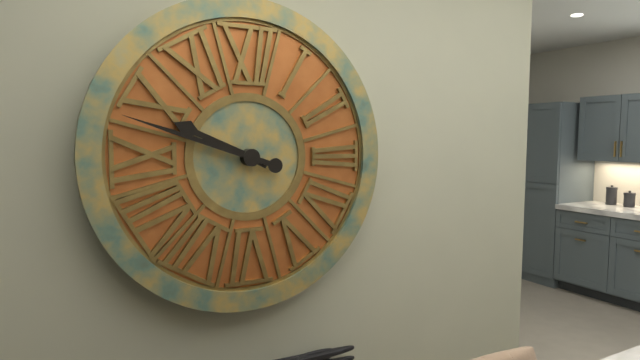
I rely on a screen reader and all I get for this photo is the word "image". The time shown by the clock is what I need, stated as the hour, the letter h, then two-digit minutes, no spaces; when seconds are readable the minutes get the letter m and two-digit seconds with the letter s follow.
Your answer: 9h48
